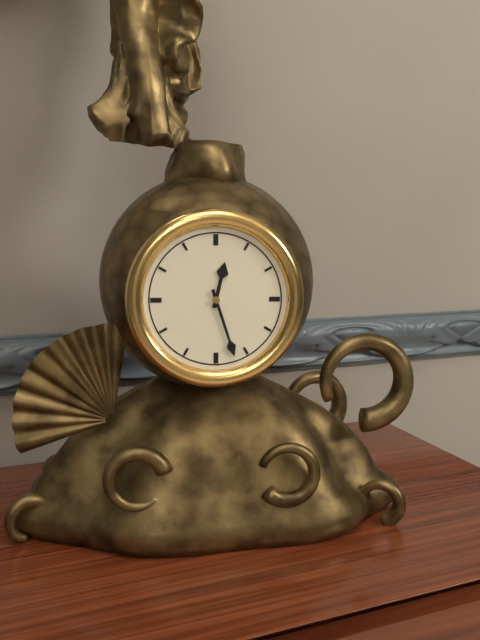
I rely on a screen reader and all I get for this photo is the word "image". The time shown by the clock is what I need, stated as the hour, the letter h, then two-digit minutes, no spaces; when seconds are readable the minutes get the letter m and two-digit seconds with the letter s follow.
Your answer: 12h27
